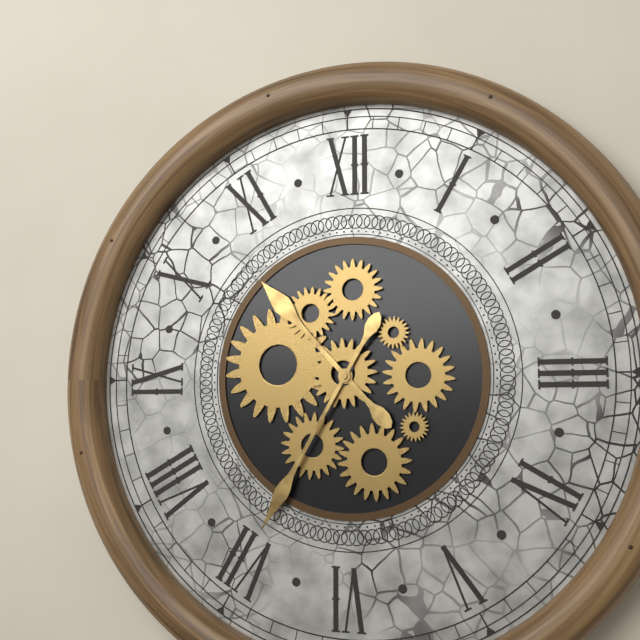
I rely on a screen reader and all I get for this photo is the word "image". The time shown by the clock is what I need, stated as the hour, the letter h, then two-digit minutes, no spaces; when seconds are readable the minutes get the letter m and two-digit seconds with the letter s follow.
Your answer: 10h35
